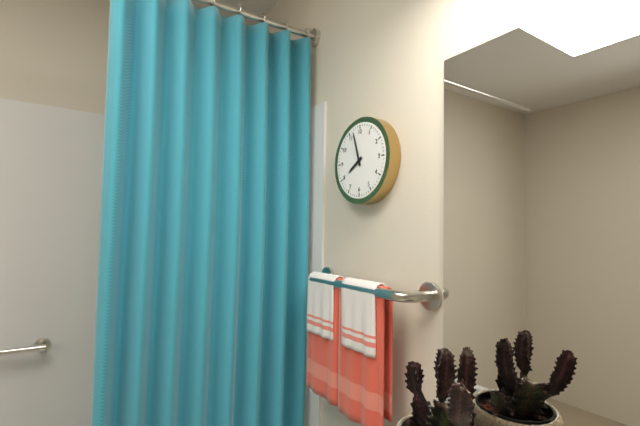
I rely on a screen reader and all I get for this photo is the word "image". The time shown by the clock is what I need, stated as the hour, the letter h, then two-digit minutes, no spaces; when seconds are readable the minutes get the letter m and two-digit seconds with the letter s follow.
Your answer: 7h57
